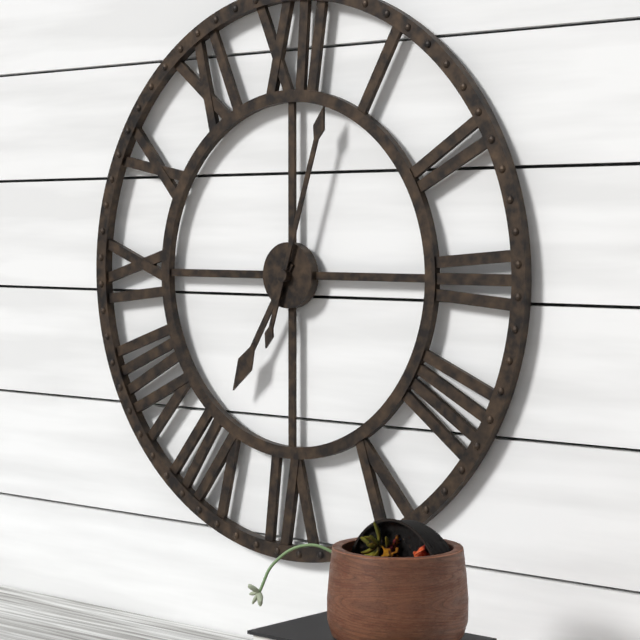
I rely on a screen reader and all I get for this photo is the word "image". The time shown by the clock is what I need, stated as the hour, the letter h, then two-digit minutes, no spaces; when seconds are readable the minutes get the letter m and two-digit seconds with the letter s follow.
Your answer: 7h03
